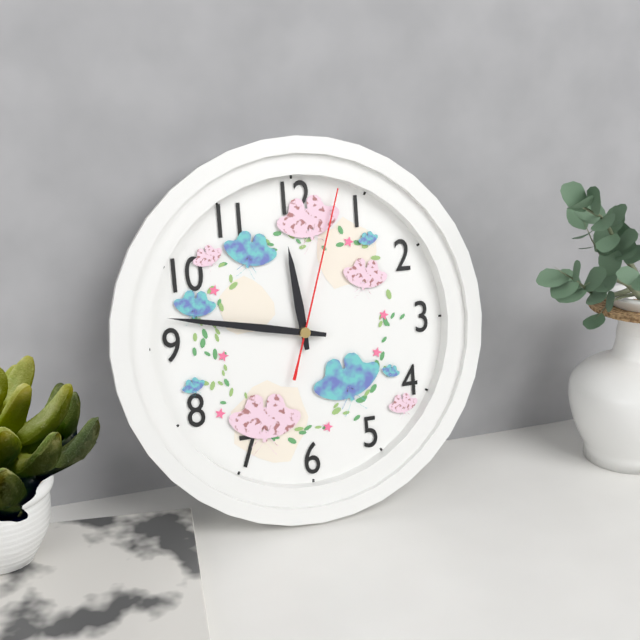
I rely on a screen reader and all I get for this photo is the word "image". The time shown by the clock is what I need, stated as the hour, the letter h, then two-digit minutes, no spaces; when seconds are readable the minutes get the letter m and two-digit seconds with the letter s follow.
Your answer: 11h47m03s
